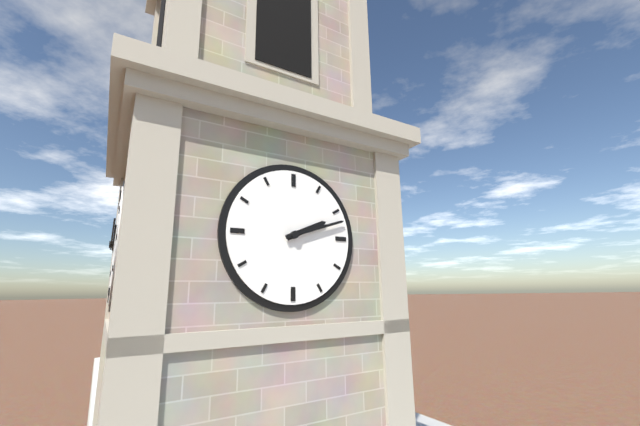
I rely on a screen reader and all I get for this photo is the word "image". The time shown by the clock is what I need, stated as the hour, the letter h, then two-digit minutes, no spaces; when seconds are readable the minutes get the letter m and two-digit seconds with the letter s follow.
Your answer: 2h12
